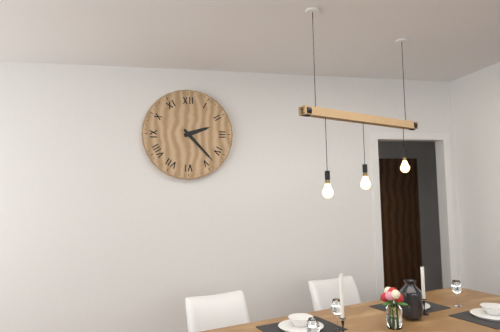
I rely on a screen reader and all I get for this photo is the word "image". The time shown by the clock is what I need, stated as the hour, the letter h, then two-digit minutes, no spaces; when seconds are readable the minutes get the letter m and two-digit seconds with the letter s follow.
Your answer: 2h23
